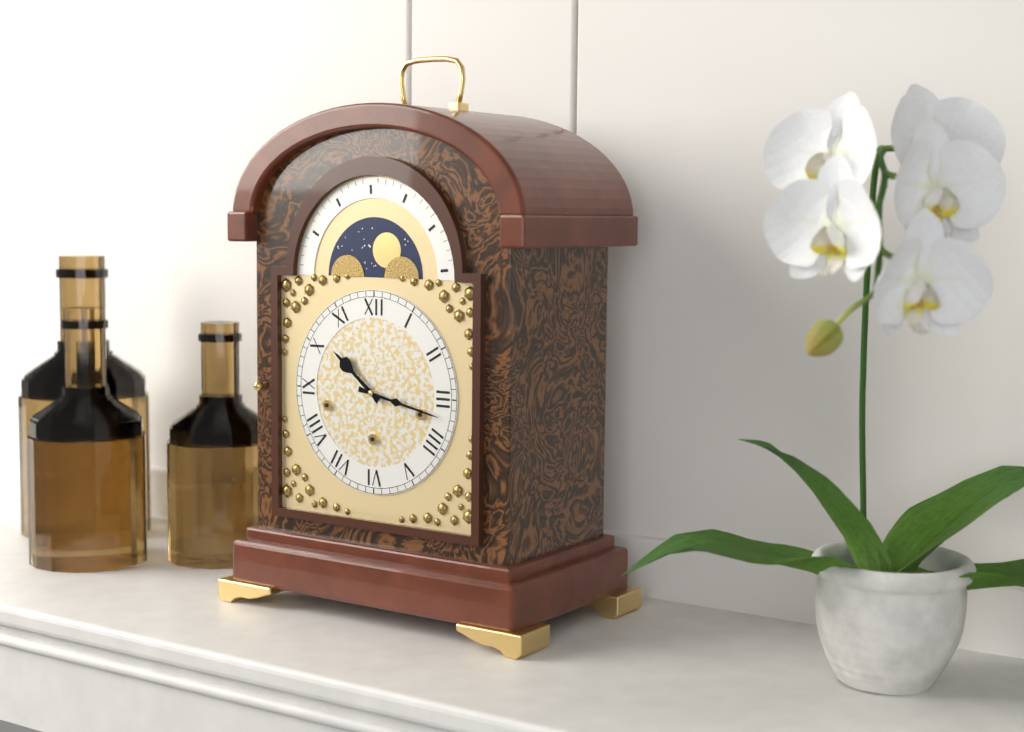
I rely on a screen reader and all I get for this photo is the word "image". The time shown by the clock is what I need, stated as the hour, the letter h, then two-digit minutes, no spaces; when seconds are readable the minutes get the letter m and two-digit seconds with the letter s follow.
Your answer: 10h17
